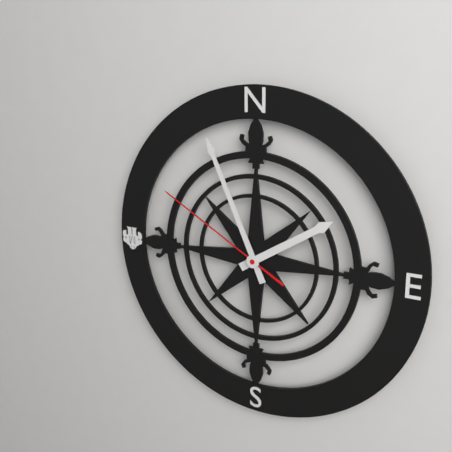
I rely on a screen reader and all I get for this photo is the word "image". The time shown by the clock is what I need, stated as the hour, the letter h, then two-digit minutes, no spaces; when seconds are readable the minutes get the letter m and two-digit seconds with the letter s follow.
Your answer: 1h56m50s
